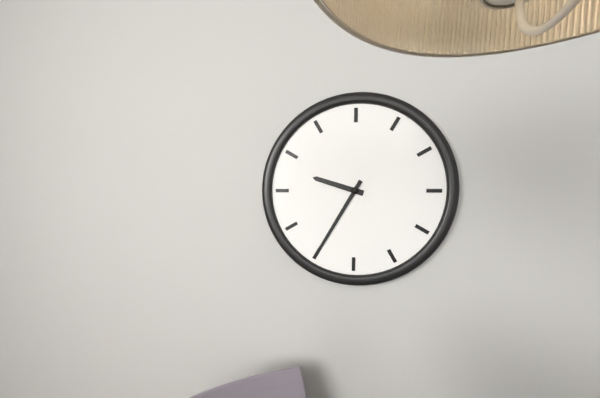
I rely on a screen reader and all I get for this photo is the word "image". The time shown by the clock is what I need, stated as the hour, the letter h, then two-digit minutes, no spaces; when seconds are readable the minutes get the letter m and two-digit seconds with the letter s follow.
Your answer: 9h35
